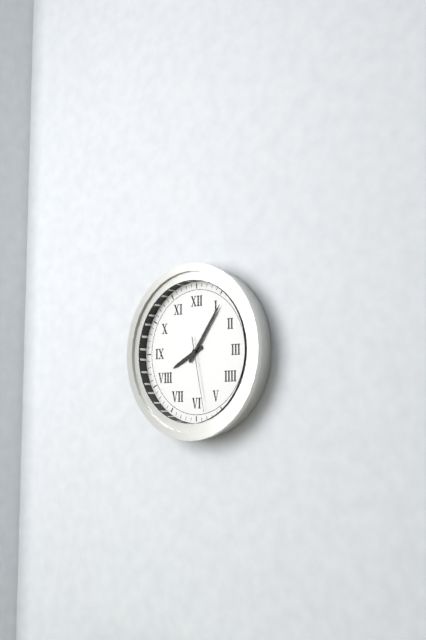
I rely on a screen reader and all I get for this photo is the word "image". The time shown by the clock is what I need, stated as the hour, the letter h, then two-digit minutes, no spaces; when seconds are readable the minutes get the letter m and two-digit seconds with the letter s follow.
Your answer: 8h06m28s
